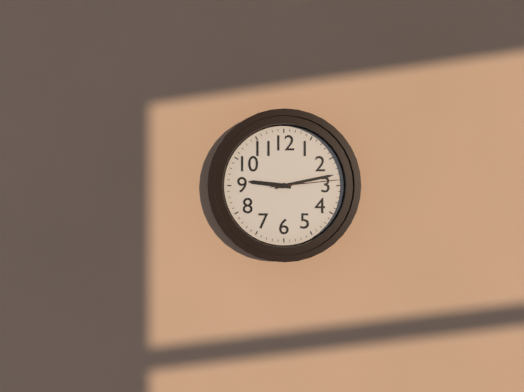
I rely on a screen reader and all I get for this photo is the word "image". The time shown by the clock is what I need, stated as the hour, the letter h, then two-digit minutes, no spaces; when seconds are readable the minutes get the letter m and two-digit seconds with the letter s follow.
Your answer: 9h13m14s
